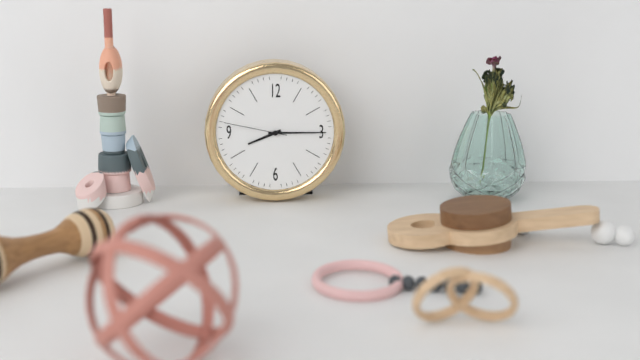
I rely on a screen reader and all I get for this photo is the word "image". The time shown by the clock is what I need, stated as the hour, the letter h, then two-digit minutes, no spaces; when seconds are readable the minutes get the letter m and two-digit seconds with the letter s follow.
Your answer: 8h15m47s
